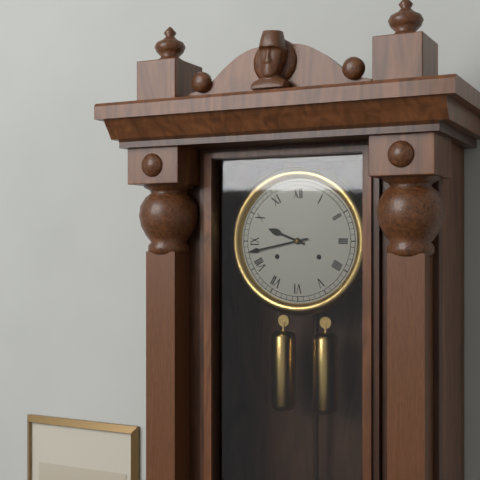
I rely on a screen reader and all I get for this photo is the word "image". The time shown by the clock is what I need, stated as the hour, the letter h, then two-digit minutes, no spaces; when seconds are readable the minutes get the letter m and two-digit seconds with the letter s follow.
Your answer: 9h43
